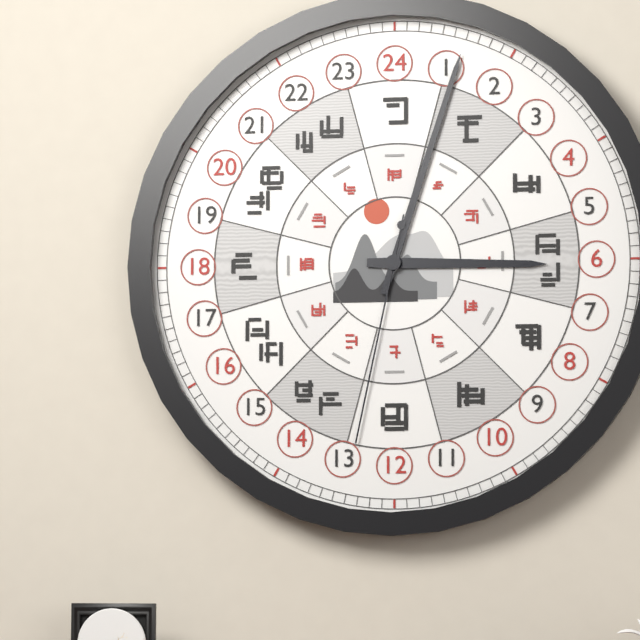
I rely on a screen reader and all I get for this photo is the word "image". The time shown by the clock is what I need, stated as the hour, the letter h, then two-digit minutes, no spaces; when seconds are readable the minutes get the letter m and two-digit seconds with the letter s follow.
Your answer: 3h03m32s
